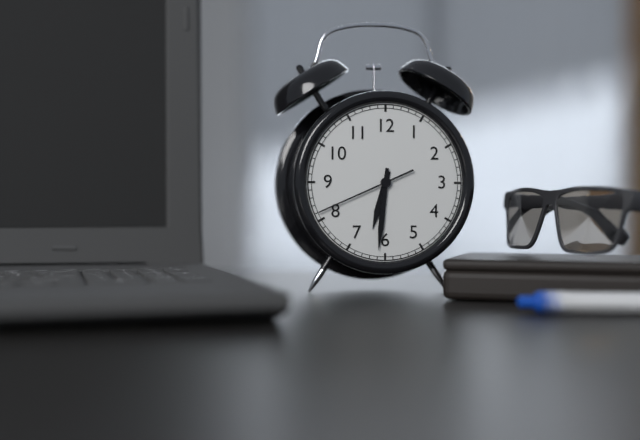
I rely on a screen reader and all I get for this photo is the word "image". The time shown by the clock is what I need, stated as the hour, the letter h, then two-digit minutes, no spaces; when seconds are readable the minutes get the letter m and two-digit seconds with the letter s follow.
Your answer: 6h31m41s
